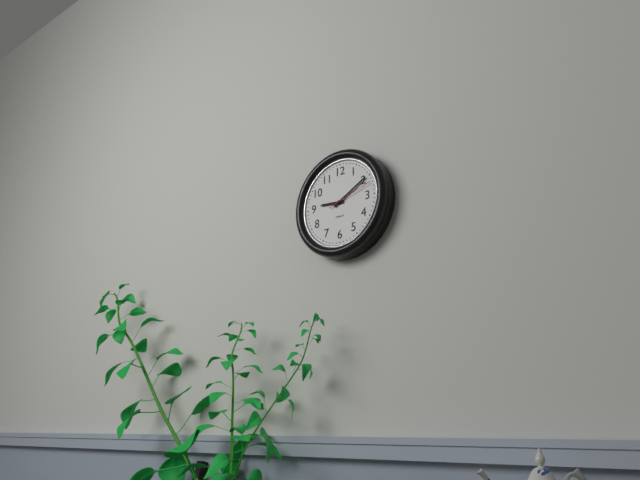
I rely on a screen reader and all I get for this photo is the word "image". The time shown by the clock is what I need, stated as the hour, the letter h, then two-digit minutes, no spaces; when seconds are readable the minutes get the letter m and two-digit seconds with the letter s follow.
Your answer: 9h10
